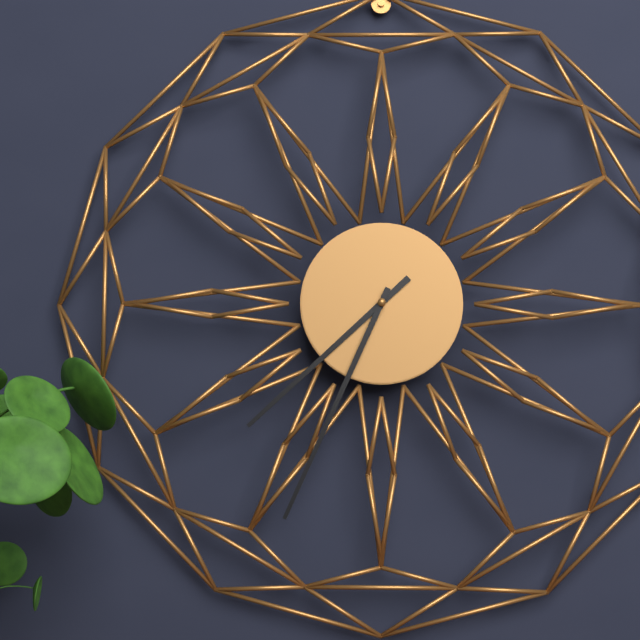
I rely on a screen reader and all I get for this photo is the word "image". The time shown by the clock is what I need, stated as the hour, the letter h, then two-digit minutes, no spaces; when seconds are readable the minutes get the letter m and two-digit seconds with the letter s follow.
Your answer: 7h34
